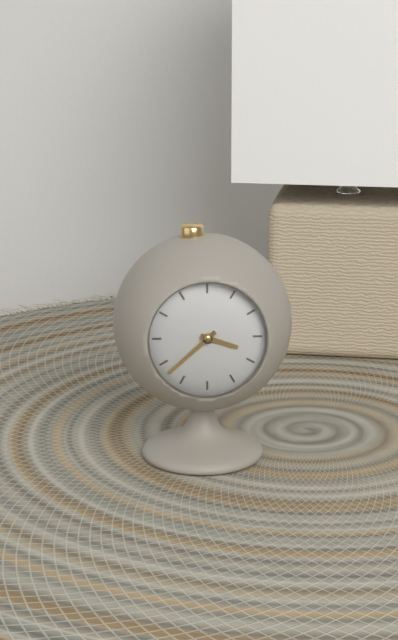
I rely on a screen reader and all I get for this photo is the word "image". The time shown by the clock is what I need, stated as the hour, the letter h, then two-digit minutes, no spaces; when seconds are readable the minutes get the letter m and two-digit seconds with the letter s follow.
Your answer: 3h38
